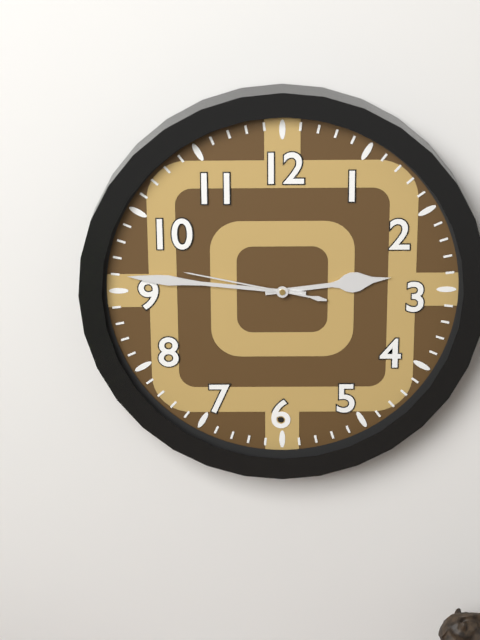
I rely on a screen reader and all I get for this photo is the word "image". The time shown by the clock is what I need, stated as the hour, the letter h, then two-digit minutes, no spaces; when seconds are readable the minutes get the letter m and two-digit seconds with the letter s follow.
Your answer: 2h46m47s
